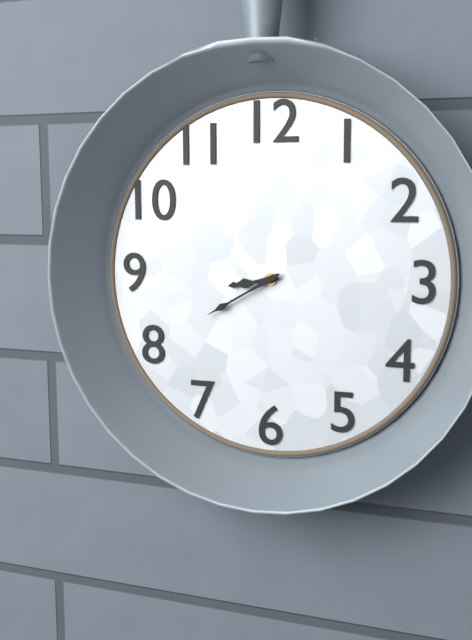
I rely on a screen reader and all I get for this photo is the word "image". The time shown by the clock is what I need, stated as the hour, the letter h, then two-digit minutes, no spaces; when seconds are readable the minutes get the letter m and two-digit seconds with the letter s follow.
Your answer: 8h40
